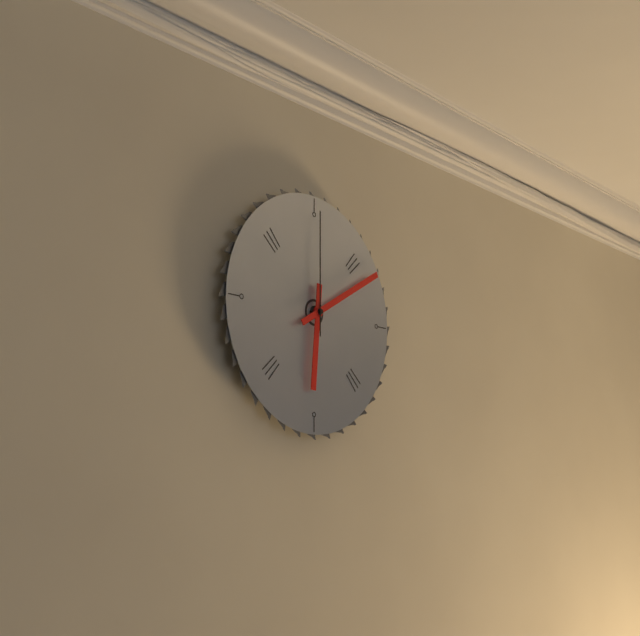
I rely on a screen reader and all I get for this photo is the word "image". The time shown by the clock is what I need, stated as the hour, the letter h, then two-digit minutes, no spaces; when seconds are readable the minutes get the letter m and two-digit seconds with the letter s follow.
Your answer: 6h10m00s
